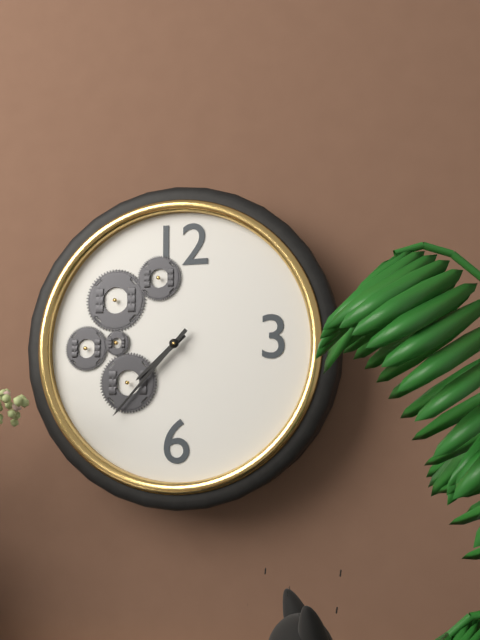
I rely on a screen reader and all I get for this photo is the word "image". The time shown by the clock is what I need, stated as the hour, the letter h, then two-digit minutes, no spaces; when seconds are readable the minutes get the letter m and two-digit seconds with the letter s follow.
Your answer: 7h37
